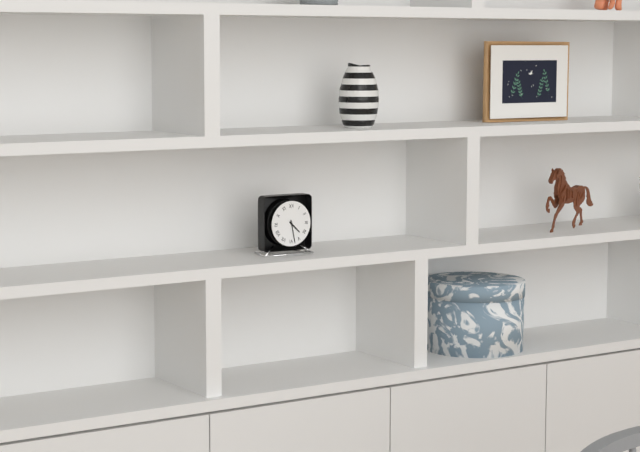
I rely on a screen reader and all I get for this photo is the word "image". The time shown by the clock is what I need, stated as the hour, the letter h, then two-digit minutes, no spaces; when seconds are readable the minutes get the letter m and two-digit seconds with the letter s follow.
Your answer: 4h28
